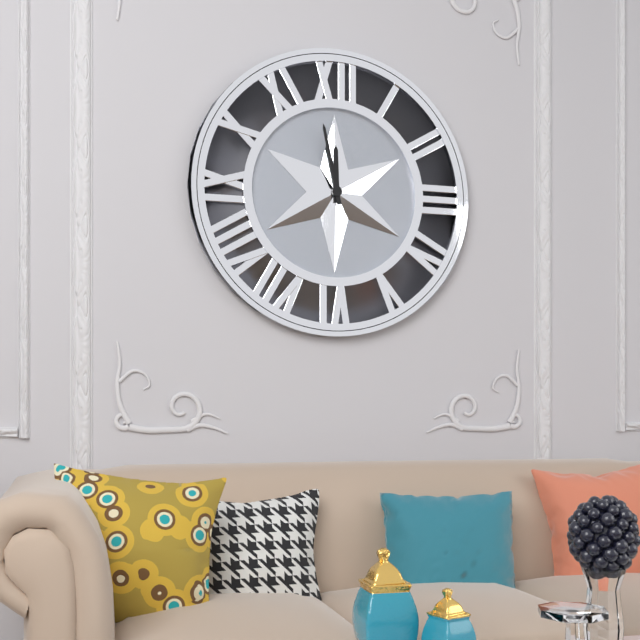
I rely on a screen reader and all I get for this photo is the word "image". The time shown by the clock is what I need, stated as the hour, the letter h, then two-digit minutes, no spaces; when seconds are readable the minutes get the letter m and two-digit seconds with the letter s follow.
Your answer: 11h58
